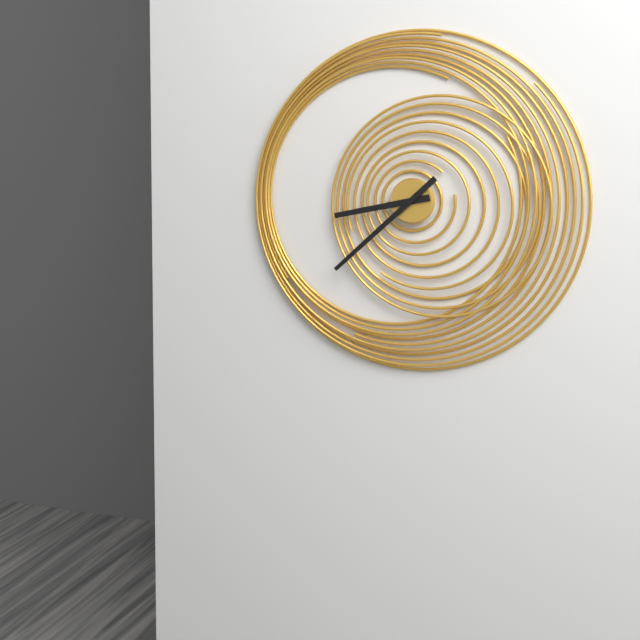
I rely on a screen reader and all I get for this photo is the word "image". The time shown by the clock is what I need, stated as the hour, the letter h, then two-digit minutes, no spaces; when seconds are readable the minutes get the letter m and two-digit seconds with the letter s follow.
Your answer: 8h38
